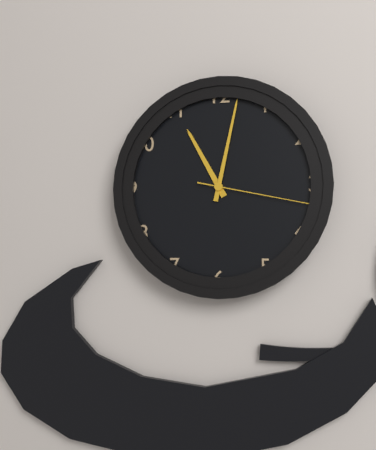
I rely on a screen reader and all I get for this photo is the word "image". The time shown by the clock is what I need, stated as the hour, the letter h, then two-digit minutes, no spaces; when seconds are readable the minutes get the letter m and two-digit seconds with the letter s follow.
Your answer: 11h02m17s
